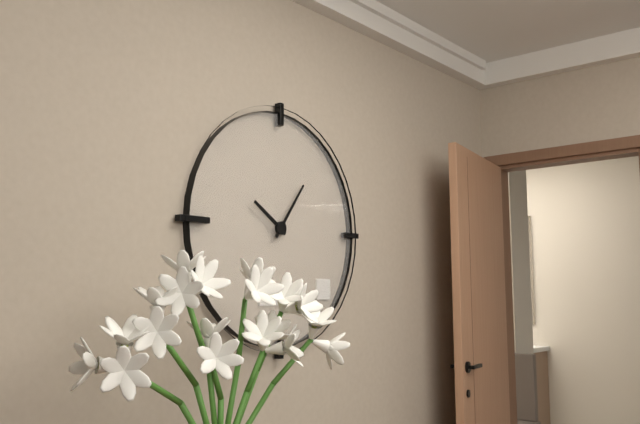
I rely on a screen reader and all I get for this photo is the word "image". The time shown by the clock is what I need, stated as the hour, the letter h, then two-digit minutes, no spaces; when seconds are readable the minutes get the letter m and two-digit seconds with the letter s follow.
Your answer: 10h06
